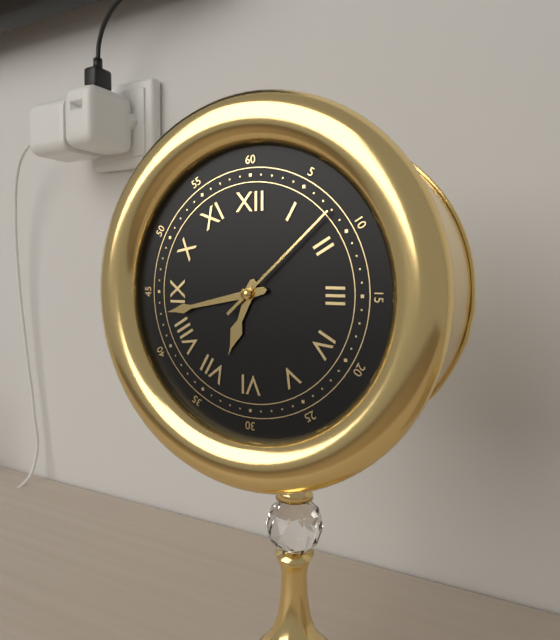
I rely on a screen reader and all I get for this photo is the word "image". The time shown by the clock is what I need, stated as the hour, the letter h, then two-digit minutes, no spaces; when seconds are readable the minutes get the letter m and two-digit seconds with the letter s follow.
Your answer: 6h43m08s
